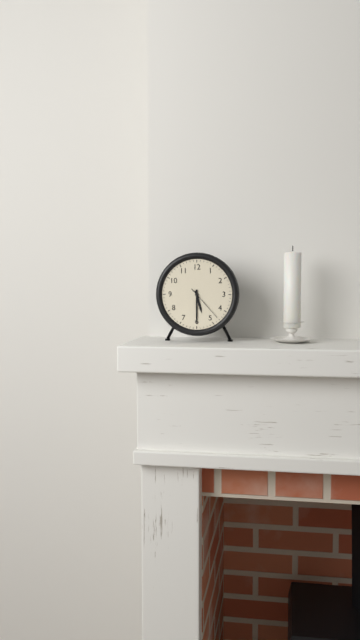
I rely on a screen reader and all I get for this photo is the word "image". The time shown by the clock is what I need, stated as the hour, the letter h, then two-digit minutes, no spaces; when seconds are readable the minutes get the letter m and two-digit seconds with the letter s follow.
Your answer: 5h30
